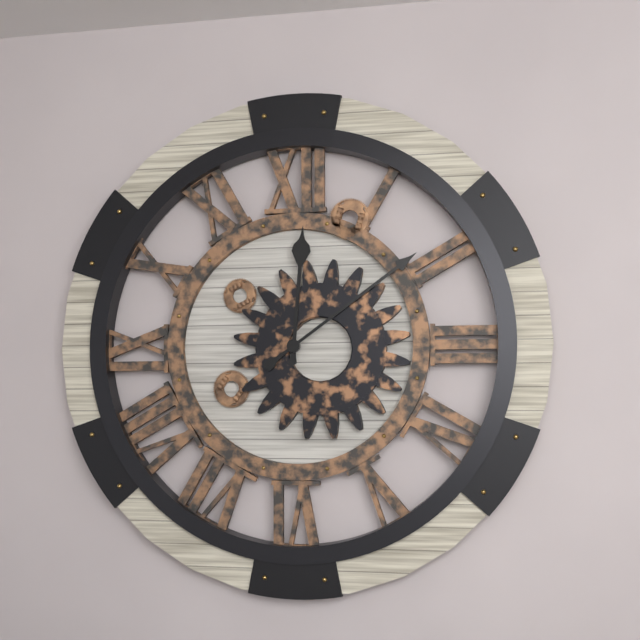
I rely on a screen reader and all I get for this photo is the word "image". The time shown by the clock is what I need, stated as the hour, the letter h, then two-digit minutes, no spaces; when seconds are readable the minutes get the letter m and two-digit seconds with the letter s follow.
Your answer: 12h09
